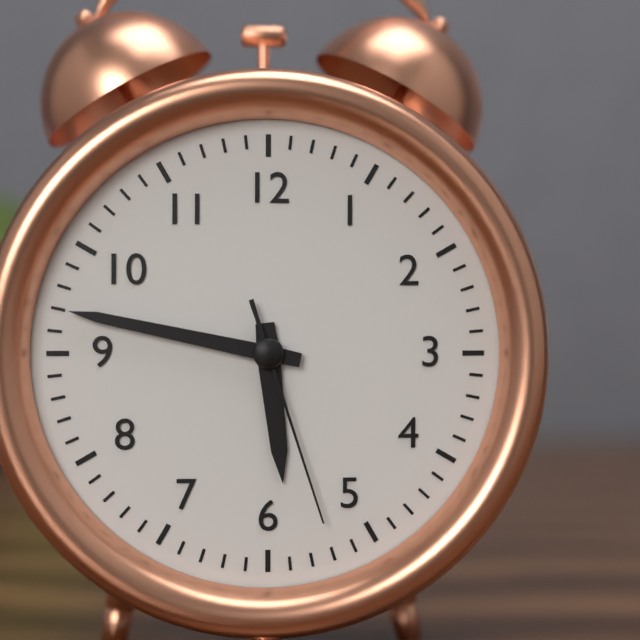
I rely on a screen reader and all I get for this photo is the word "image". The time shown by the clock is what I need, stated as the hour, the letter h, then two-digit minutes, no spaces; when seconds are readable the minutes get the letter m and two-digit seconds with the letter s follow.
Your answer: 5h47m27s
